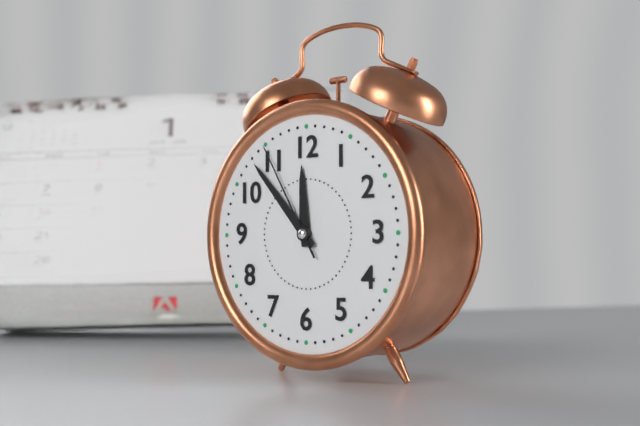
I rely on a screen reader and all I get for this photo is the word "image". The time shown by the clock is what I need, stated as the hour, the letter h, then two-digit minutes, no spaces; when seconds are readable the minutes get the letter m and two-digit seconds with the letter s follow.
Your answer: 11h53m55s
